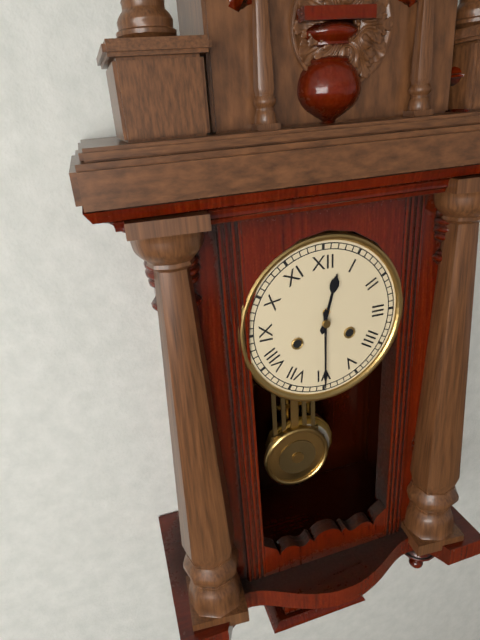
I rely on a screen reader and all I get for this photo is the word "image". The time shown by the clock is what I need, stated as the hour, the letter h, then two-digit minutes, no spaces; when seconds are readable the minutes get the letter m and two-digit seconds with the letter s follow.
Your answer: 12h30
